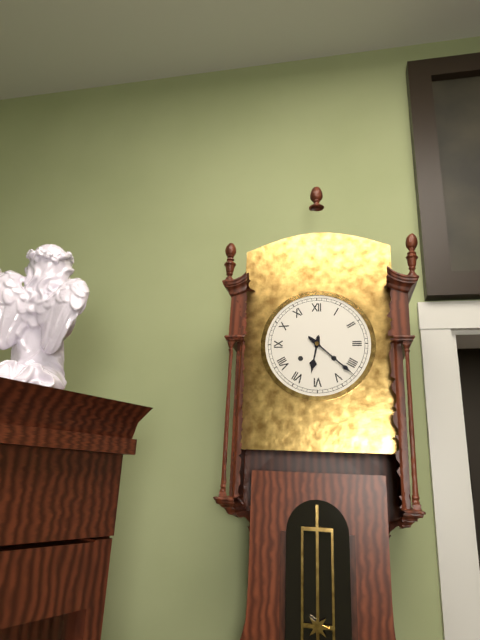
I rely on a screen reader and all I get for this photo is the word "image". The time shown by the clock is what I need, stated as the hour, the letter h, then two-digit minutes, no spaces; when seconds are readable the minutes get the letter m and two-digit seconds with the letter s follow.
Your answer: 6h22
